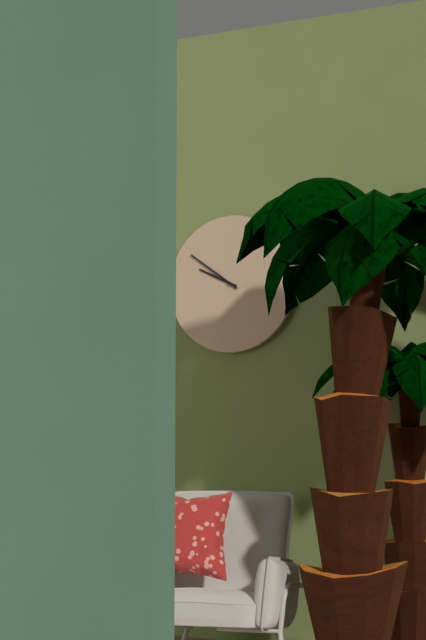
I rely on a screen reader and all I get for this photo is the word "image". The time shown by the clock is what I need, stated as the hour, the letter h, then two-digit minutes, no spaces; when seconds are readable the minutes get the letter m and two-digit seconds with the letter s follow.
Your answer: 9h51
